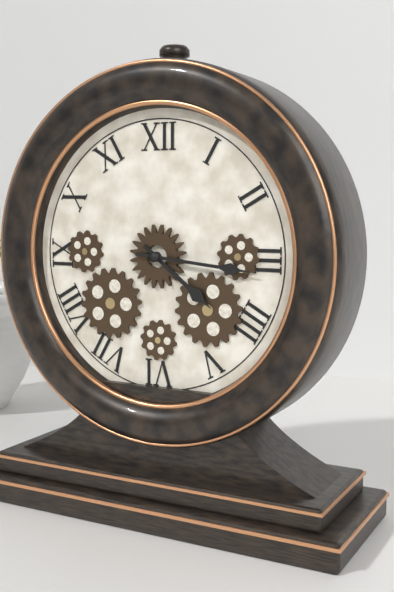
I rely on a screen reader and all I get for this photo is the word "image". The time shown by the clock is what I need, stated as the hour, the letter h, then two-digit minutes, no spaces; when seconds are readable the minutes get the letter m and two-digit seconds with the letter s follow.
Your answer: 4h16
